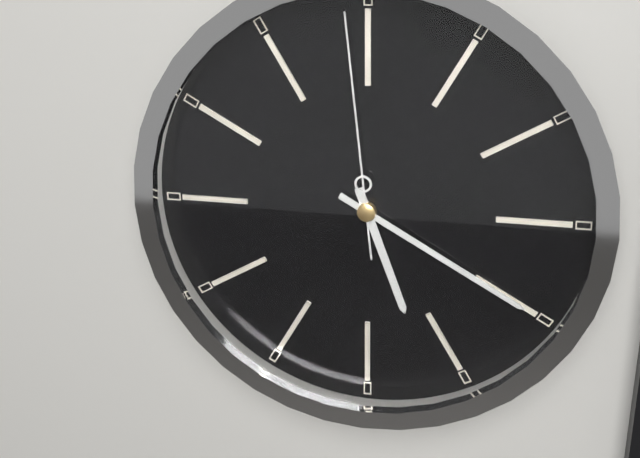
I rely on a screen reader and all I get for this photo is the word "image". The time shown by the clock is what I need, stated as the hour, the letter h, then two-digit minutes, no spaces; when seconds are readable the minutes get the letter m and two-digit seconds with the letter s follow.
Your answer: 5h20m59s
